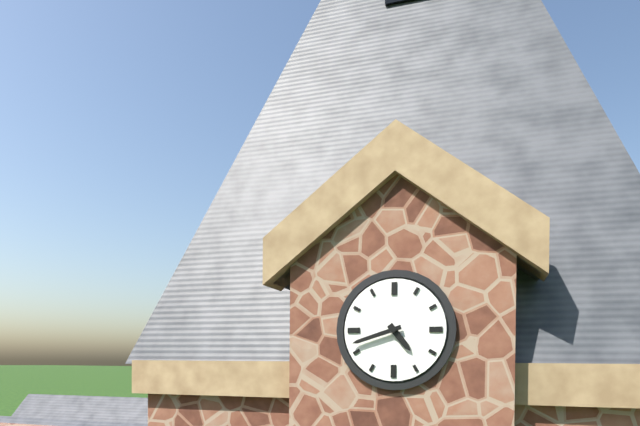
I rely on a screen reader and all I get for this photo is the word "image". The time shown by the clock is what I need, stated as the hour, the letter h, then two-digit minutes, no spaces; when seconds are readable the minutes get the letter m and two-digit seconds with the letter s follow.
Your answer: 4h42
